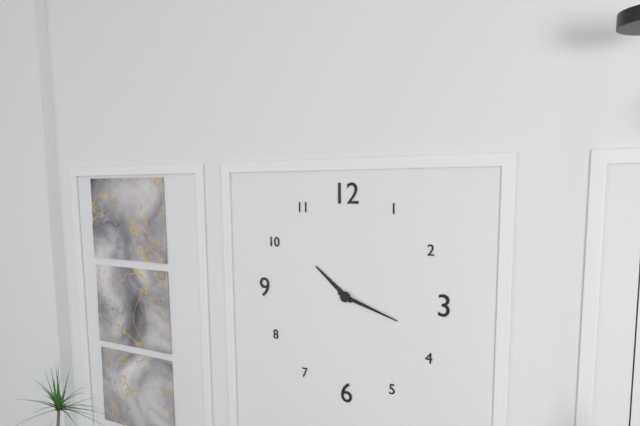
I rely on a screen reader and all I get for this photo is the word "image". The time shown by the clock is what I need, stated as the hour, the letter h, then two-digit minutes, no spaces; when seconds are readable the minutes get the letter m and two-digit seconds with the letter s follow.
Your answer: 10h18
